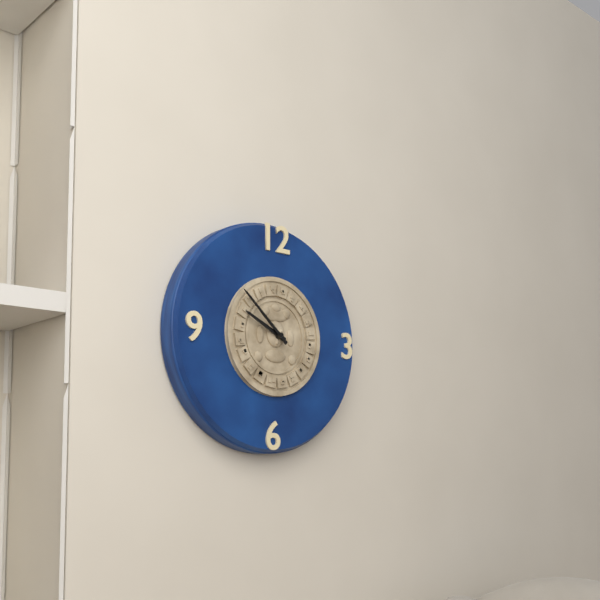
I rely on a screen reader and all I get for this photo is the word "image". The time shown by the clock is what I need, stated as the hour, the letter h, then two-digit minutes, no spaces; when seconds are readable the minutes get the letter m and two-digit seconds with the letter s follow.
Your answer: 9h52
